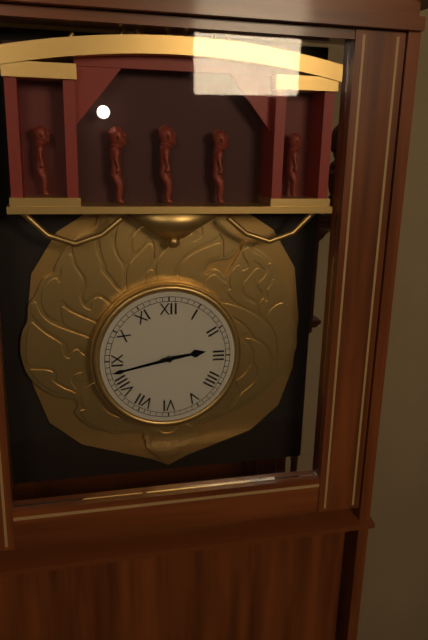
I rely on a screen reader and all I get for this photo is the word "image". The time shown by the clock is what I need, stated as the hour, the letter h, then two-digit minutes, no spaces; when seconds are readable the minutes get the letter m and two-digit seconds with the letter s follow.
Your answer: 2h43
